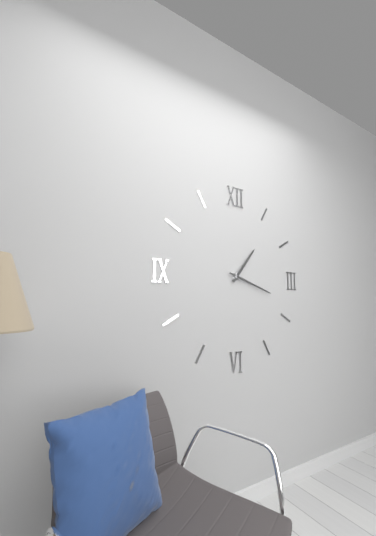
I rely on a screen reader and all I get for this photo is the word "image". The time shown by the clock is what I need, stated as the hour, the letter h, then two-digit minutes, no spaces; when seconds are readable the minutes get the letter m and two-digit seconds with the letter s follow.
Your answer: 1h18
